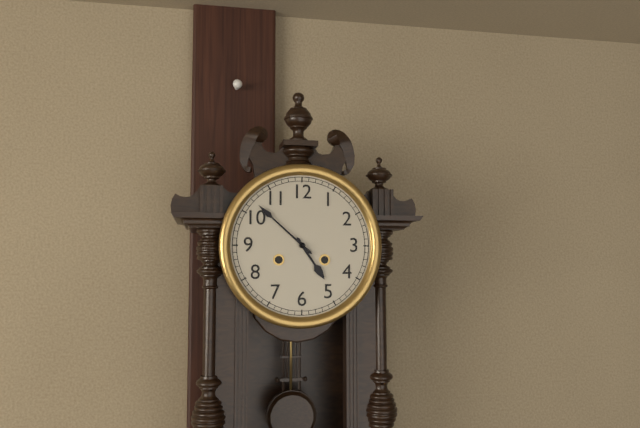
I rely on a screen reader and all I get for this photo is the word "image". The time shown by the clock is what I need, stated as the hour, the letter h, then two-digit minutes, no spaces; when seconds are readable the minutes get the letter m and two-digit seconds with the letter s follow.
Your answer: 4h52
